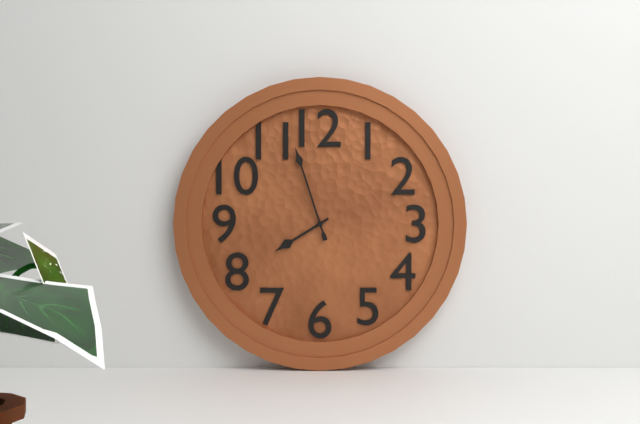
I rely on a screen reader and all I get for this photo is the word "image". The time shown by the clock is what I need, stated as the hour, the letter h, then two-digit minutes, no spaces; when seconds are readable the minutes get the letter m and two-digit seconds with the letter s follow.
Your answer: 7h57
